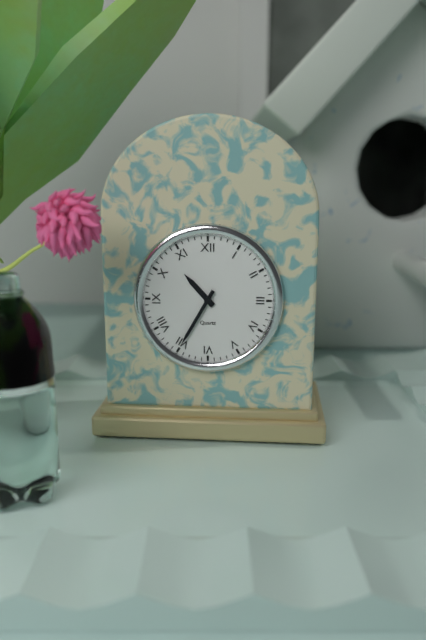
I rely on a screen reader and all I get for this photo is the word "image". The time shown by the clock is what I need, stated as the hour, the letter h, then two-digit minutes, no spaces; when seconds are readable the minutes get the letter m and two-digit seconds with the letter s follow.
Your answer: 10h35
